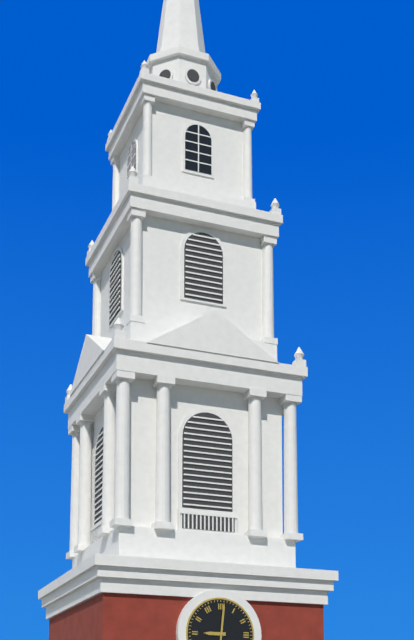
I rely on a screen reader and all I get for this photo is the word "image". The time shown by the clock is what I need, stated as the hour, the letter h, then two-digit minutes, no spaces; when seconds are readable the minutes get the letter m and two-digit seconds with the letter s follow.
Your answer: 9h01
